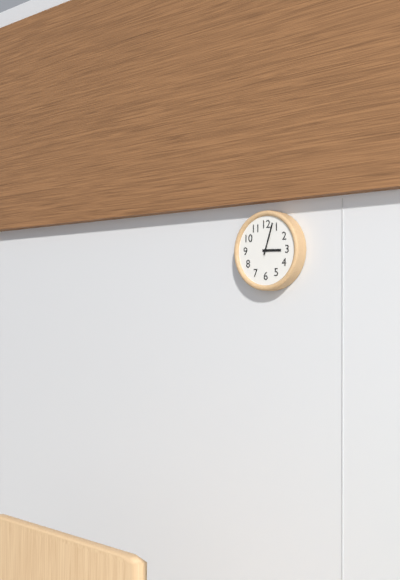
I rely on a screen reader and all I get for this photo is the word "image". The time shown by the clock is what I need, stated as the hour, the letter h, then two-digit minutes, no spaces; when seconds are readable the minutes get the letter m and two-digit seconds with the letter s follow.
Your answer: 3h03
